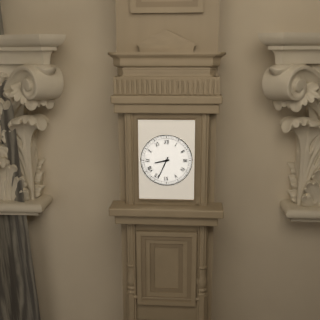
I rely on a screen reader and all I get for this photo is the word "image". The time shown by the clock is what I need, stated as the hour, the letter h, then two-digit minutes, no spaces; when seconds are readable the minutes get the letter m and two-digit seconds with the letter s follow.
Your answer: 8h34
